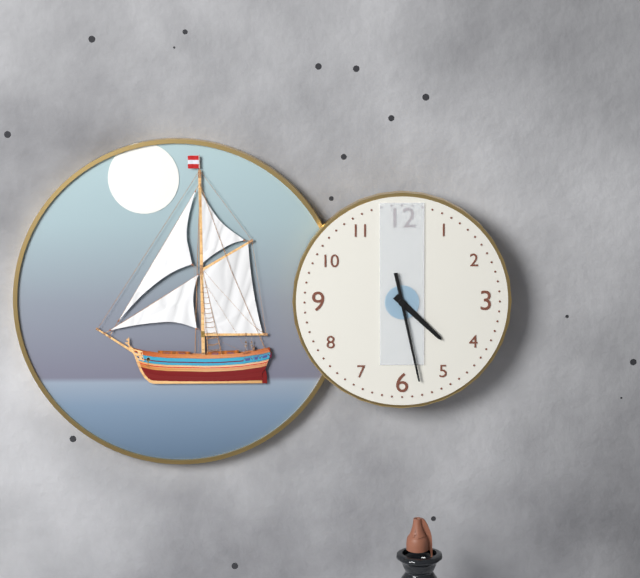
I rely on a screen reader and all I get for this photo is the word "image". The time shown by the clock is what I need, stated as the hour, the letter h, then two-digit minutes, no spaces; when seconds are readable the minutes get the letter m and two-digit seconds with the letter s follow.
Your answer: 4h28
